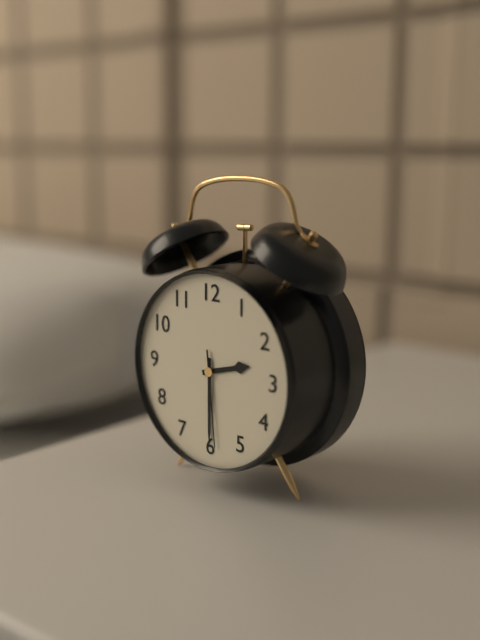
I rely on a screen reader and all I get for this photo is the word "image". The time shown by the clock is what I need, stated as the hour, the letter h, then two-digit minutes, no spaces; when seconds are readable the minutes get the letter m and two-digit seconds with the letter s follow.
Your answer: 2h30m29s
